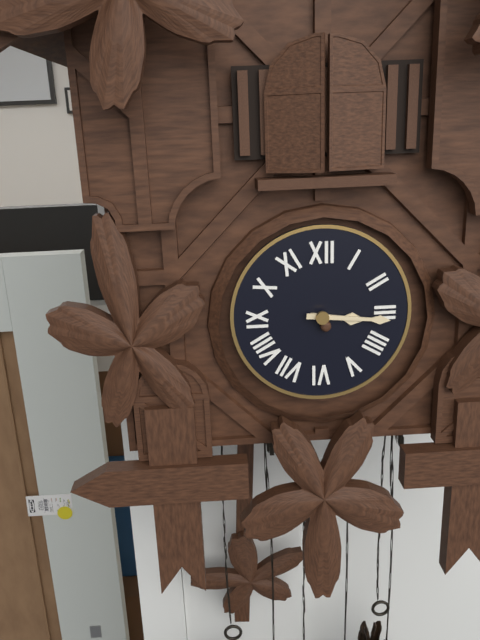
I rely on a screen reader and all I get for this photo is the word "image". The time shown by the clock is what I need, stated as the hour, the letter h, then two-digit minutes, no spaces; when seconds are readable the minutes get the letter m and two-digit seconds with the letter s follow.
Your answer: 3h16
